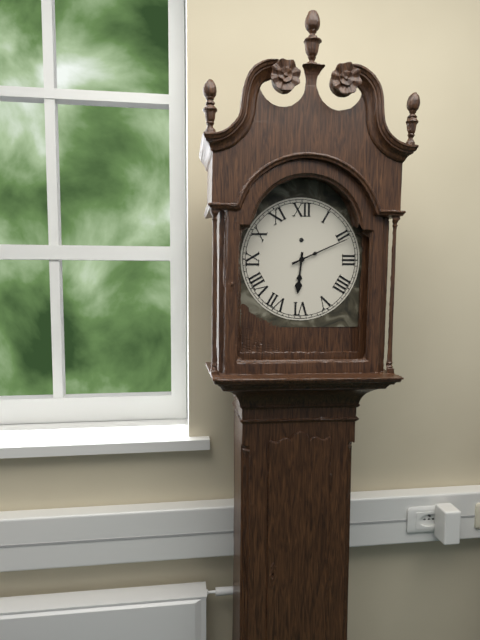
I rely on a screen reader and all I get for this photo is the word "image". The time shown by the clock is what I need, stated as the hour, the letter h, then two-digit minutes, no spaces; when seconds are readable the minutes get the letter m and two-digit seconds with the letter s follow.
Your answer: 6h11
